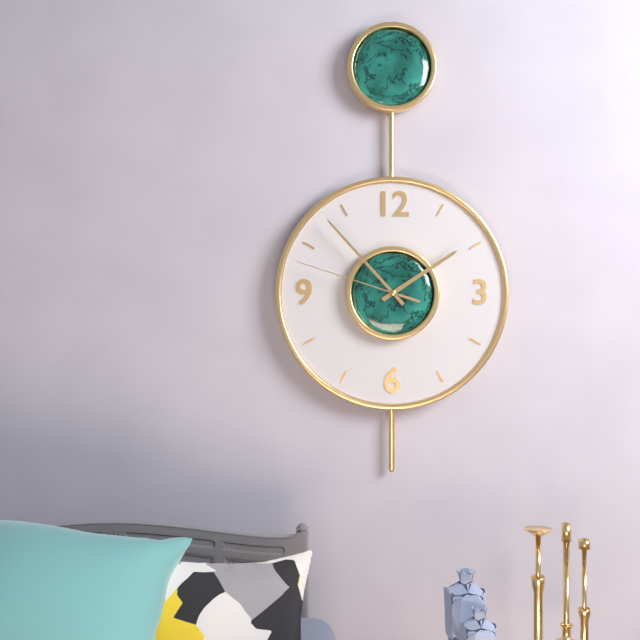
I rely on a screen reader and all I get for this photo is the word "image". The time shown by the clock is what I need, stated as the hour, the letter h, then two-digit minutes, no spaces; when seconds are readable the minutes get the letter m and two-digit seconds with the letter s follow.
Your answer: 1h53m48s
